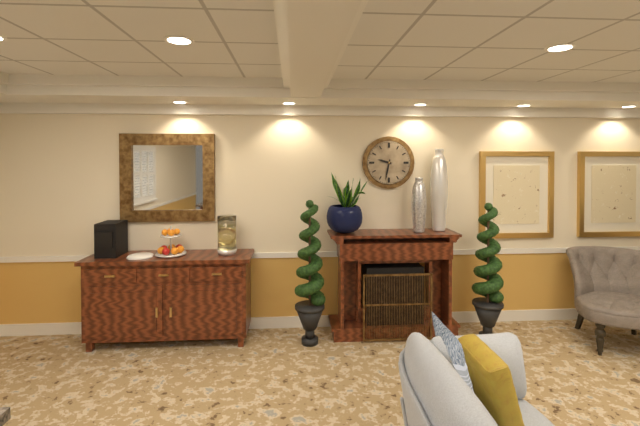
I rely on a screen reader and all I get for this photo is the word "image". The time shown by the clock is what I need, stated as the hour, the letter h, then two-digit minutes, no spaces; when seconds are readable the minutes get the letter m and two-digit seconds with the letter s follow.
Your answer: 9h32
